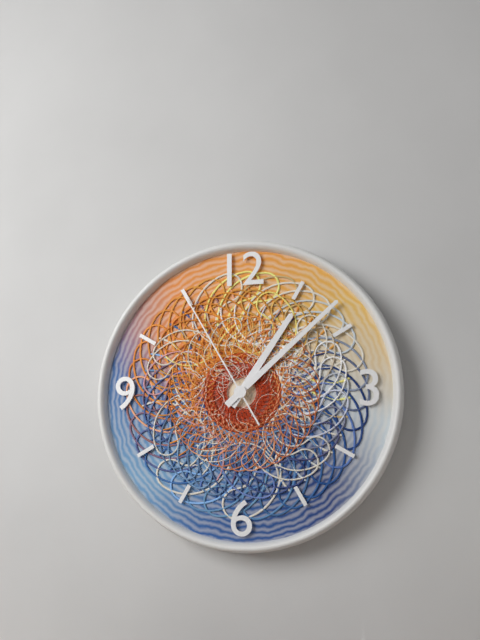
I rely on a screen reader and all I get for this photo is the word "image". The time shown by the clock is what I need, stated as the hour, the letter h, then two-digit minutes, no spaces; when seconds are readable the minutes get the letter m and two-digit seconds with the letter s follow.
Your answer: 1h08m55s
